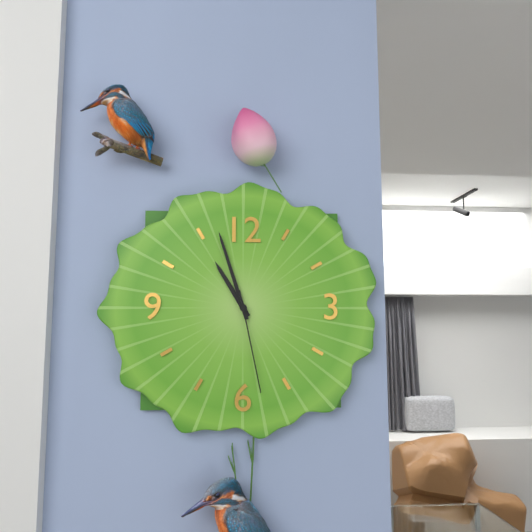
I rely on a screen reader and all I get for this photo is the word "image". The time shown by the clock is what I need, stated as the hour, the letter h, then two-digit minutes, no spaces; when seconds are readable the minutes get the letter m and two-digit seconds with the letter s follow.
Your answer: 10h57m28s
